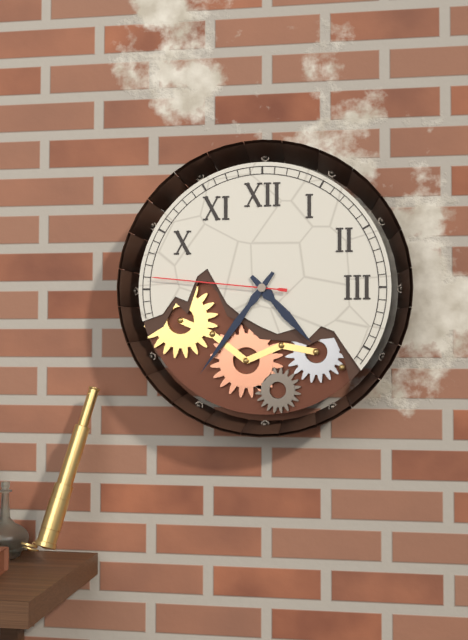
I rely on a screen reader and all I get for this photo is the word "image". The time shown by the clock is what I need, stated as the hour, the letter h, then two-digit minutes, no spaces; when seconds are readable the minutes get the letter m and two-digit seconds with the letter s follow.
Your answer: 4h36m46s
